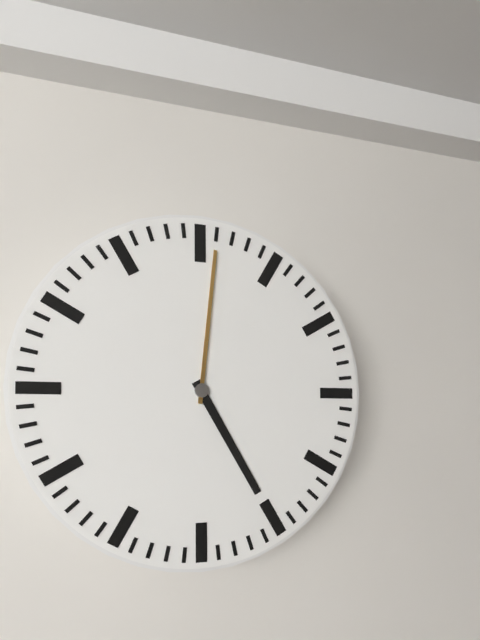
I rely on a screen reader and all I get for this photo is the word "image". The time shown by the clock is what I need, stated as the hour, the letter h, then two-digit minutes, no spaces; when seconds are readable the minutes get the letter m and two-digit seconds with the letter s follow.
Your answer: 5h01
